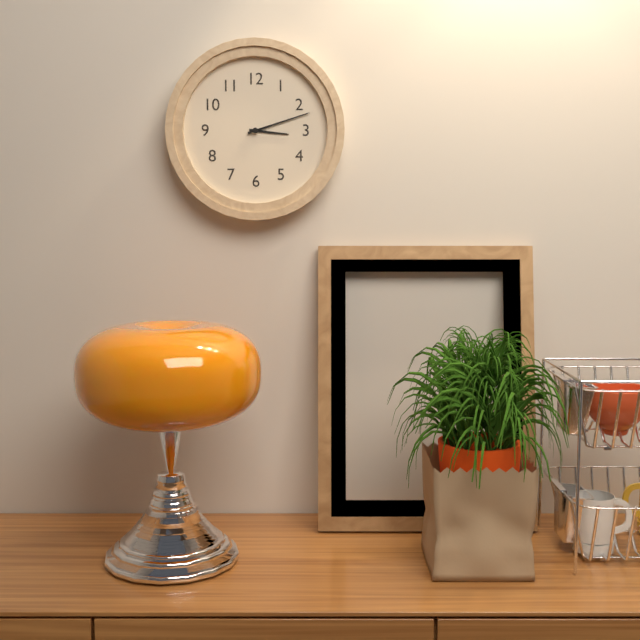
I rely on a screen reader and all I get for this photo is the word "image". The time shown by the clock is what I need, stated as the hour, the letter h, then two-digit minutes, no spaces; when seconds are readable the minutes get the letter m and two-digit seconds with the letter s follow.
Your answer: 3h12
